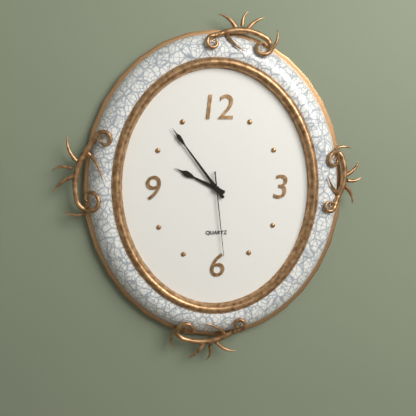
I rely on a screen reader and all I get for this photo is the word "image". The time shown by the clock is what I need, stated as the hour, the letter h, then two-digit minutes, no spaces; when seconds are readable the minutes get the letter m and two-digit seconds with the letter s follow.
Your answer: 9h54m29s
